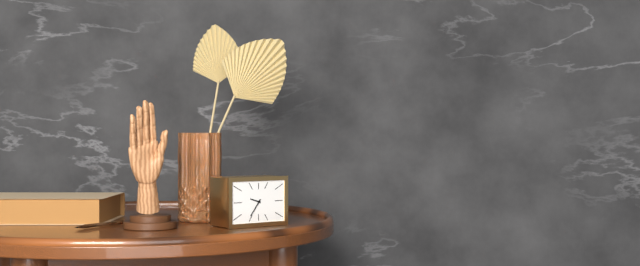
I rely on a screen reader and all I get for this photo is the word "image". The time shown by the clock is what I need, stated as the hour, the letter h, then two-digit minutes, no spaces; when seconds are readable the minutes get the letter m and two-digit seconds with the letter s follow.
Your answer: 9h36
